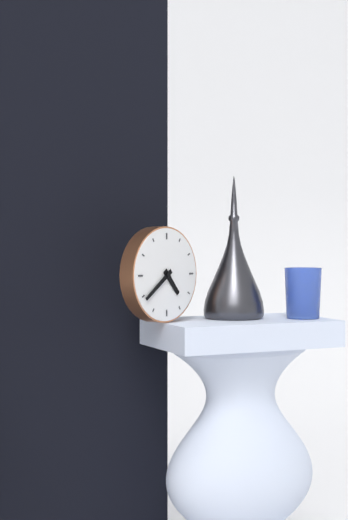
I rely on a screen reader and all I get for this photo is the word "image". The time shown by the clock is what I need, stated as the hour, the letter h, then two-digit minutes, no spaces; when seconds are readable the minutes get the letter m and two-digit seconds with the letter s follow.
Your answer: 4h39
